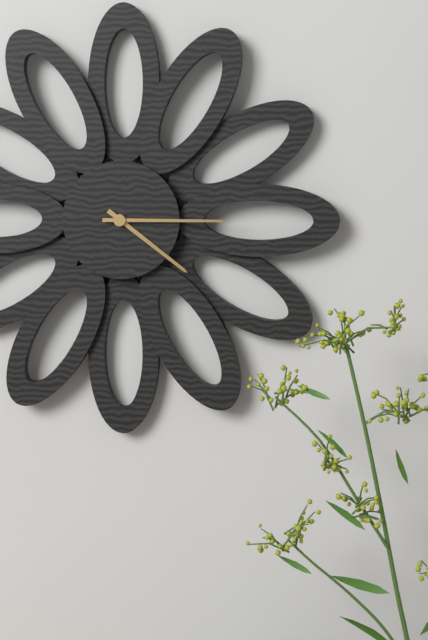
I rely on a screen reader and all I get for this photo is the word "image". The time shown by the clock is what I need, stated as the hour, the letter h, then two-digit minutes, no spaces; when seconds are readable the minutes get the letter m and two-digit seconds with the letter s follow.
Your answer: 4h15
